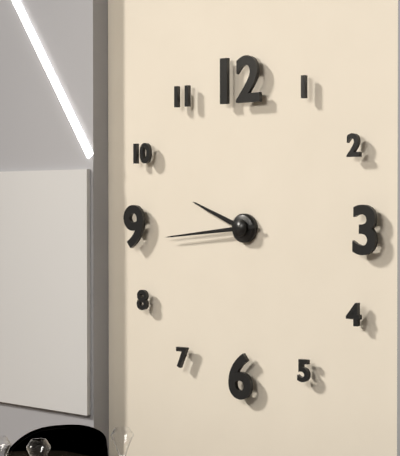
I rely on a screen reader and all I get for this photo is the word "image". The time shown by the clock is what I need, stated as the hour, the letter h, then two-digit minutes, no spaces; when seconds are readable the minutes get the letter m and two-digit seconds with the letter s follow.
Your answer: 9h44
